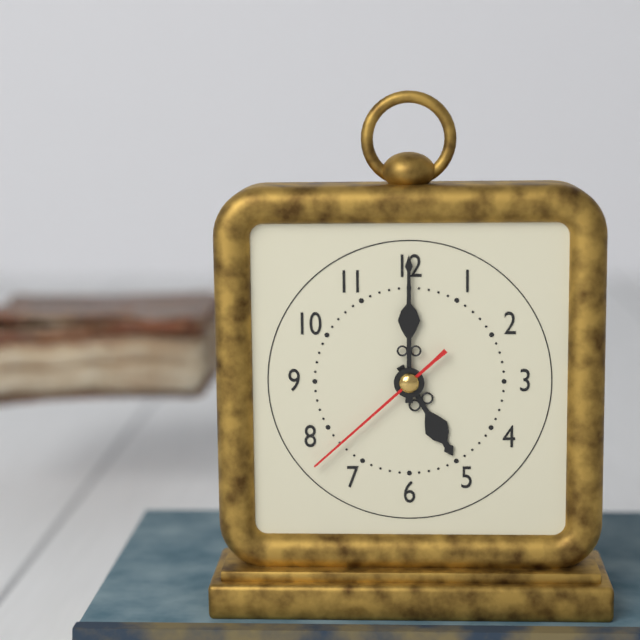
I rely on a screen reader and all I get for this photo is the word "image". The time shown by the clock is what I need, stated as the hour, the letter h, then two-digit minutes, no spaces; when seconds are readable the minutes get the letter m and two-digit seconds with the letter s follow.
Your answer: 5h00m38s
